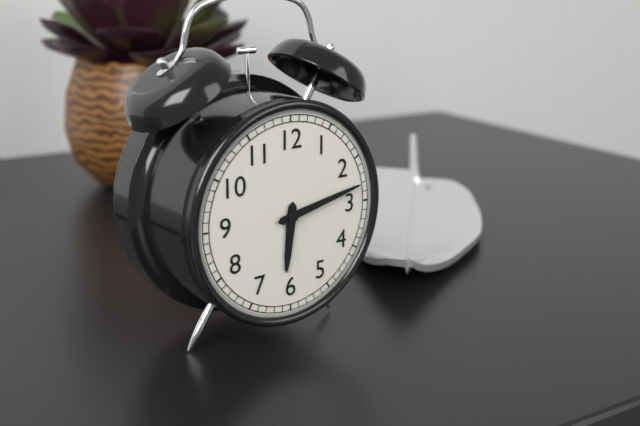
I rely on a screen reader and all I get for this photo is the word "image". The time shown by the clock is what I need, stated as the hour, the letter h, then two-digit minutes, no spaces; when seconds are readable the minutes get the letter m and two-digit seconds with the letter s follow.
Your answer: 6h13
